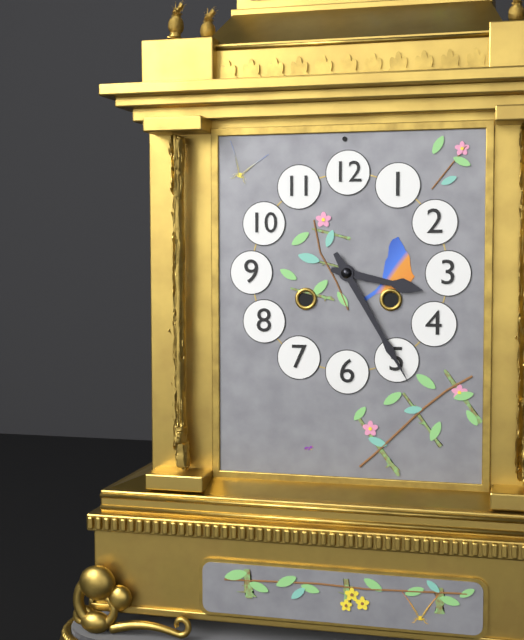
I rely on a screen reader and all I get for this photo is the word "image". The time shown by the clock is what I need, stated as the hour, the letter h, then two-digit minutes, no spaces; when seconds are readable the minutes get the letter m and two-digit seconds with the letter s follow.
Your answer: 3h25
